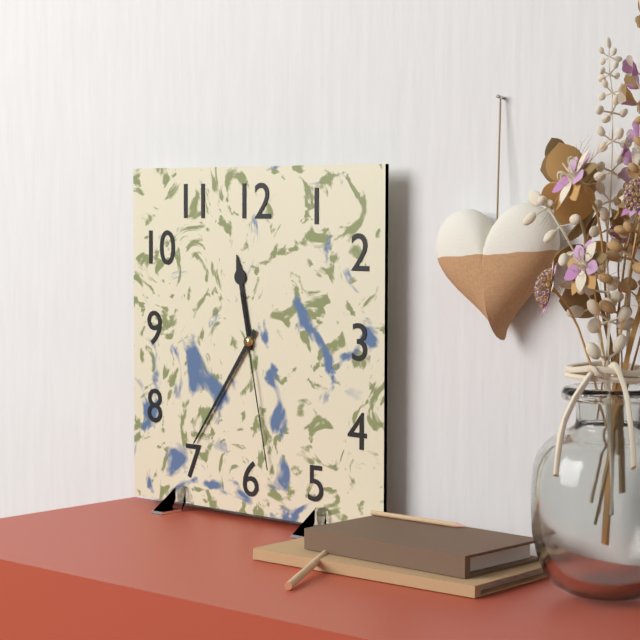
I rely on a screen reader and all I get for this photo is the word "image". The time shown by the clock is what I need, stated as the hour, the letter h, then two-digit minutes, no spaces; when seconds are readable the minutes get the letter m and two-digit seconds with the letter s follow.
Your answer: 11h36m28s
